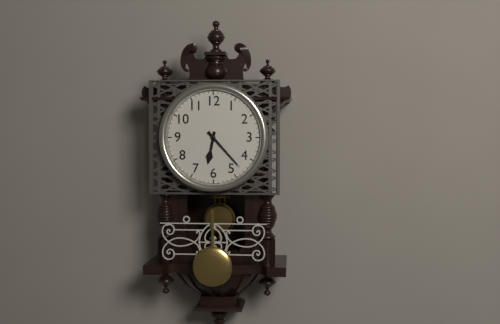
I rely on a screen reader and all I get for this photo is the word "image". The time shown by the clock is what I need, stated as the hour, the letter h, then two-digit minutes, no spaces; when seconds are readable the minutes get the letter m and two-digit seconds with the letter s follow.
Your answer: 6h23
